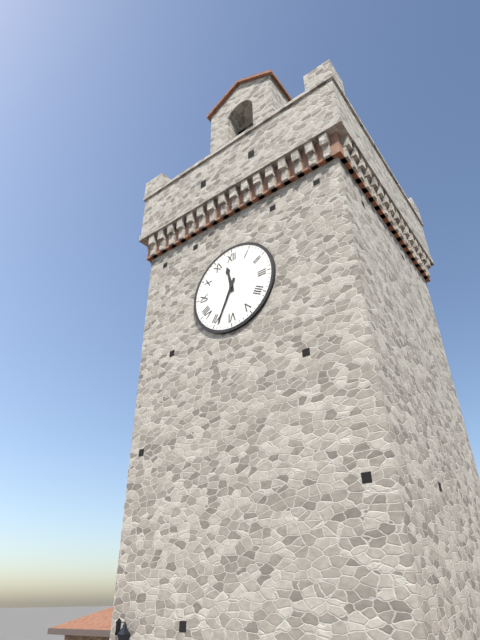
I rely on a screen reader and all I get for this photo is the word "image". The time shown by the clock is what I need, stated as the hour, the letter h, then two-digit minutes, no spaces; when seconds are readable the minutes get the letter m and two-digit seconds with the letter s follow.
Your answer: 11h34
